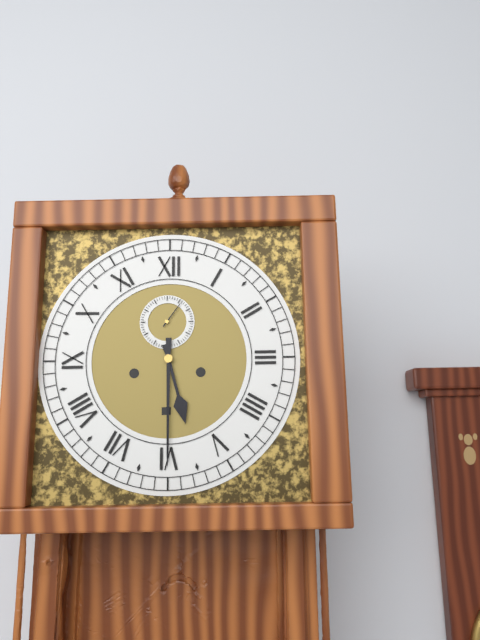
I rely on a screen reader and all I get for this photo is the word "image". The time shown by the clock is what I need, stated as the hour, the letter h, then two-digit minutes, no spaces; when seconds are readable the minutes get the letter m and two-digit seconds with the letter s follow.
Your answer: 5h30
